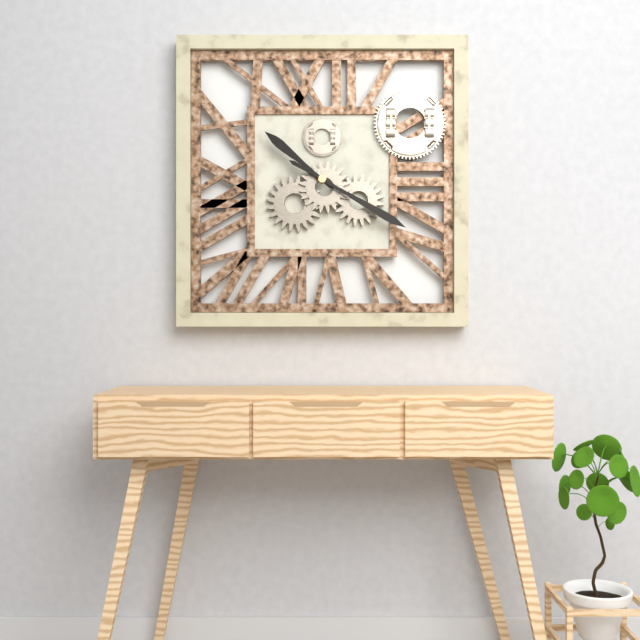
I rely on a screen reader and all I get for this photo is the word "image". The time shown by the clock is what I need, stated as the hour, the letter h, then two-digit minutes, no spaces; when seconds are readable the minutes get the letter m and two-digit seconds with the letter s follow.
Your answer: 10h20
